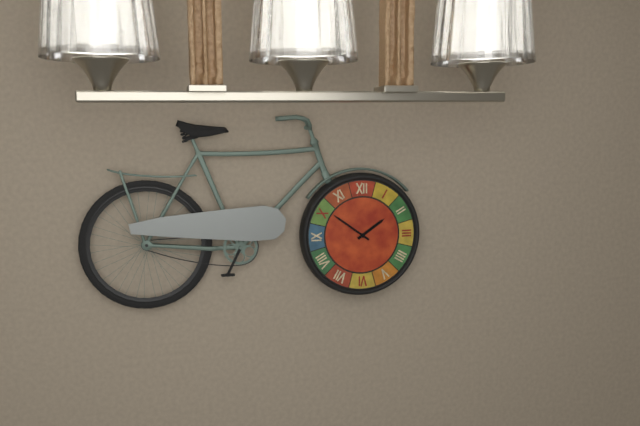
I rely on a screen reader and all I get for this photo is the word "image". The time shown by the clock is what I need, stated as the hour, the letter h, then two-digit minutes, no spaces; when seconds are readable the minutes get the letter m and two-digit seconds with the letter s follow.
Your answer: 1h51
